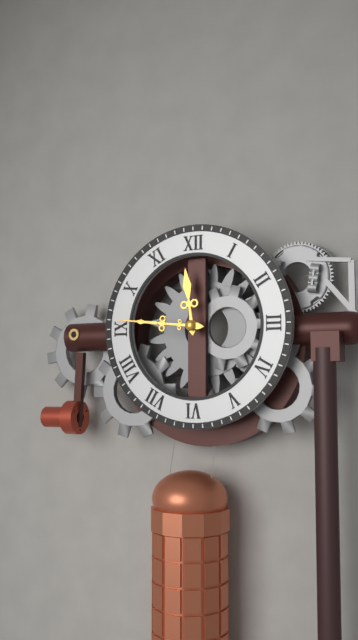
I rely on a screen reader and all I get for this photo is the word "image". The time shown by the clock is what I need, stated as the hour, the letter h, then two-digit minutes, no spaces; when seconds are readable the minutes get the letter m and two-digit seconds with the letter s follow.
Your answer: 11h46
